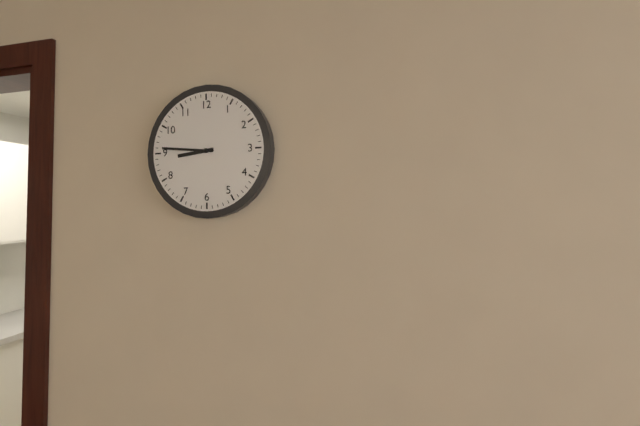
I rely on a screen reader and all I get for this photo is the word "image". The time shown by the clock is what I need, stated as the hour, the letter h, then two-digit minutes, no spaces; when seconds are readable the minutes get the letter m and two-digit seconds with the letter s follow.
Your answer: 8h46
